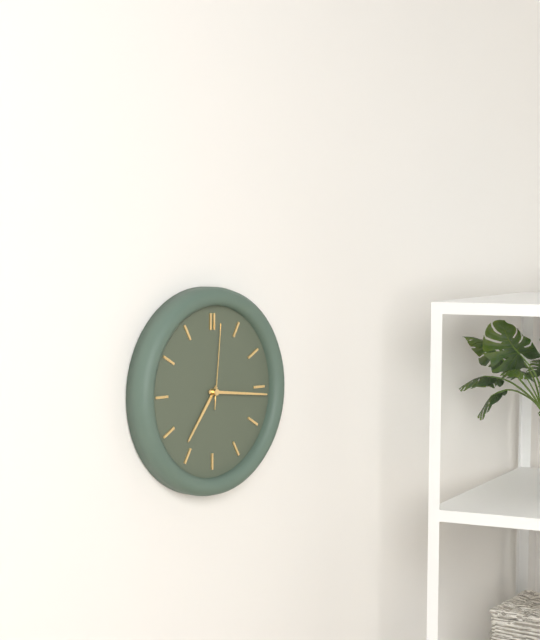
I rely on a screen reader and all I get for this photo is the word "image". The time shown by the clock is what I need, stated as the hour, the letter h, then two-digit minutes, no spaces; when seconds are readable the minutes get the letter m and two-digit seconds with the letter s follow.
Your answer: 7h16m01s
